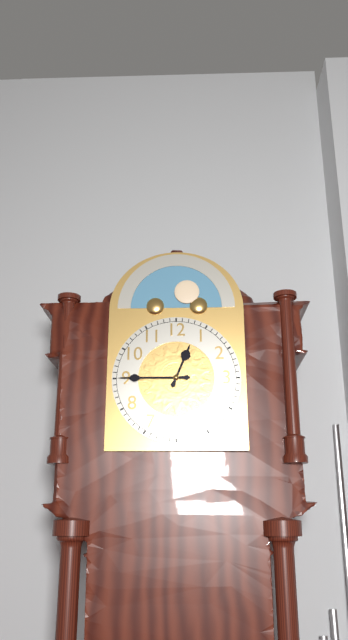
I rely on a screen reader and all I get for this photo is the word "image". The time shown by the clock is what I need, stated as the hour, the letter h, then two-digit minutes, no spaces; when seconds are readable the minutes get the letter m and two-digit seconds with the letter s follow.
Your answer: 12h45
